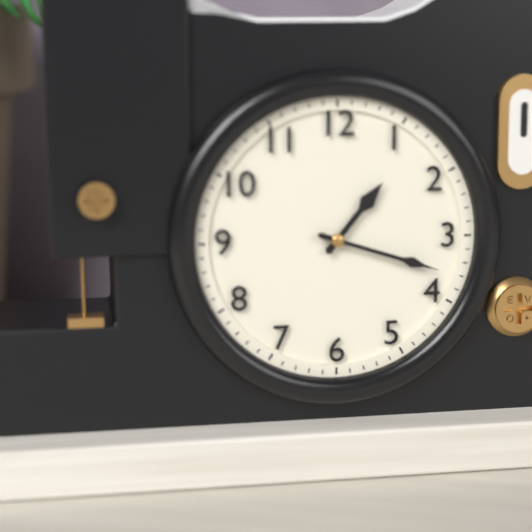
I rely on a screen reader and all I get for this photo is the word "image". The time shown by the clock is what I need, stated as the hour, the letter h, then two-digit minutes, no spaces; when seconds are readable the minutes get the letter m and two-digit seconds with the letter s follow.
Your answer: 1h18
